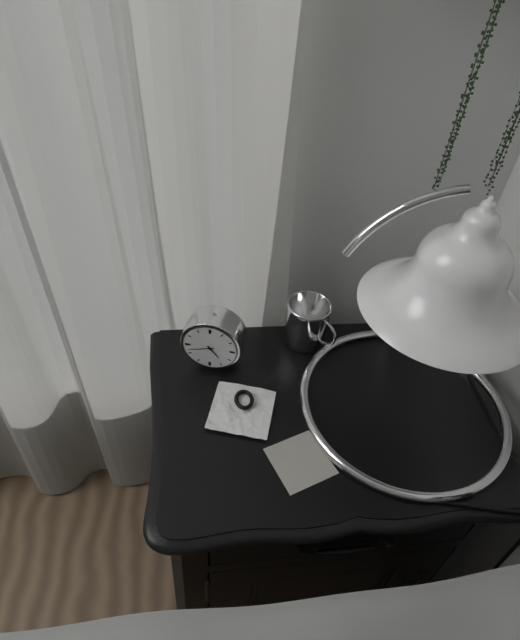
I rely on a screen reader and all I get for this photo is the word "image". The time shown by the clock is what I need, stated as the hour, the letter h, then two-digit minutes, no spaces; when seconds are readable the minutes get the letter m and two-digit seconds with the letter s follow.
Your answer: 4h42
